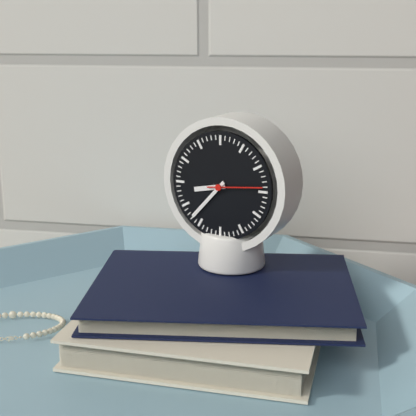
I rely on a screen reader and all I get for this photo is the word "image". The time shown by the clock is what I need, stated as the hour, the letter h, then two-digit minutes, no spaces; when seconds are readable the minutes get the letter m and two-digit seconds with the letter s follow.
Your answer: 8h37m14s
